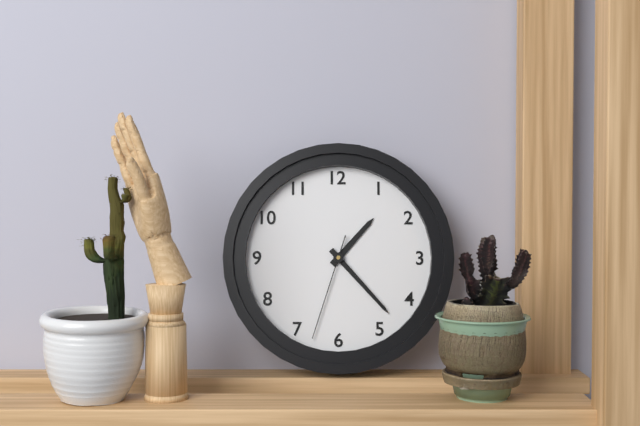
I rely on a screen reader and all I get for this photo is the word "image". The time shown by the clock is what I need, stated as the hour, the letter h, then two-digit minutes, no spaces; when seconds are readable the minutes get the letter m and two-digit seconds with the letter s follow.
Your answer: 1h23m33s
